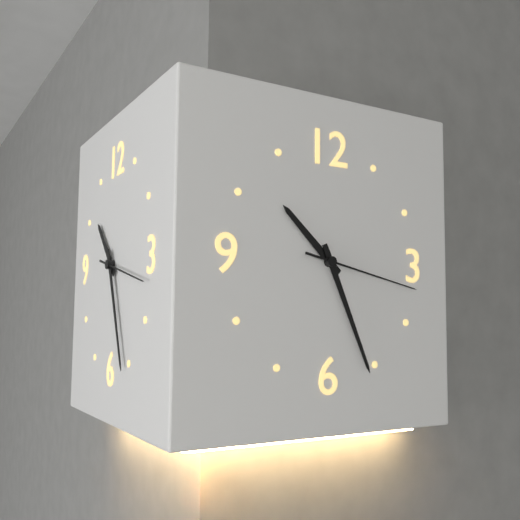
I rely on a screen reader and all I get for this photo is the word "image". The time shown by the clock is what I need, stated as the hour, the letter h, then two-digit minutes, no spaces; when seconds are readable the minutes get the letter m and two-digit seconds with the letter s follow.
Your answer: 10h26m17s
